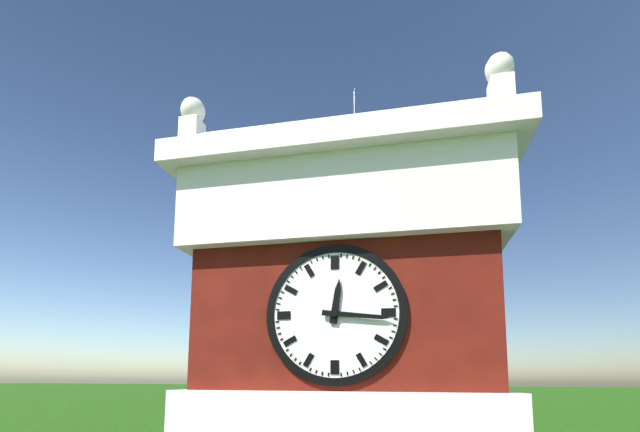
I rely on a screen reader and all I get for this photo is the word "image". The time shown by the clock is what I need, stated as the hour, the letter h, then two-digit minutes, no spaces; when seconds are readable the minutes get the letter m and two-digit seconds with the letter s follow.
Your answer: 12h16
